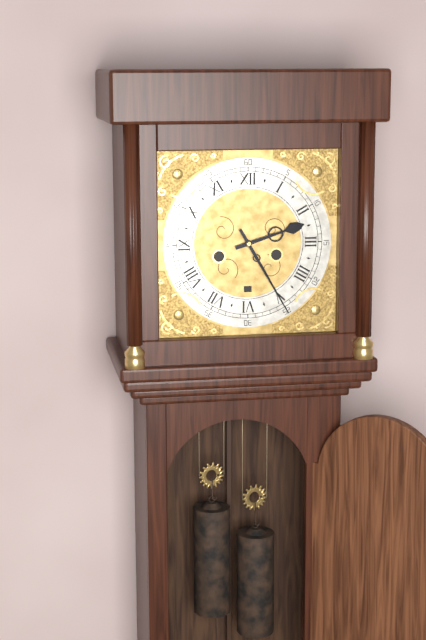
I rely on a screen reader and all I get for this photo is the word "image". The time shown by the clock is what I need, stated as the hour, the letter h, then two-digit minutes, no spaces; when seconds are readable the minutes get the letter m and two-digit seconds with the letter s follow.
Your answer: 2h25
